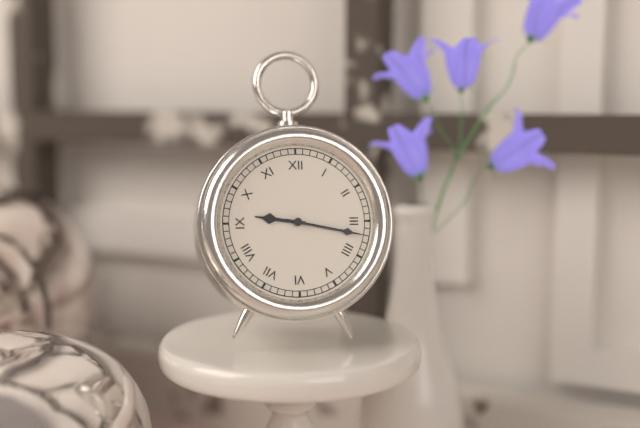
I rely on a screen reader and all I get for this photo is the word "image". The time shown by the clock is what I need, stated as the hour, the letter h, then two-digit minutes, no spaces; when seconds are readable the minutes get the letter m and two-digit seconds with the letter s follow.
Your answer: 9h17
